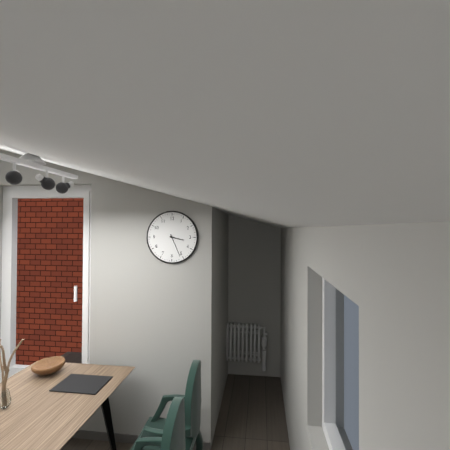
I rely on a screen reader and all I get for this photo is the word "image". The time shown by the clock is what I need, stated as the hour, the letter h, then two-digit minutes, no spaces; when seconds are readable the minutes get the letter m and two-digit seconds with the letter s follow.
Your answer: 3h26
